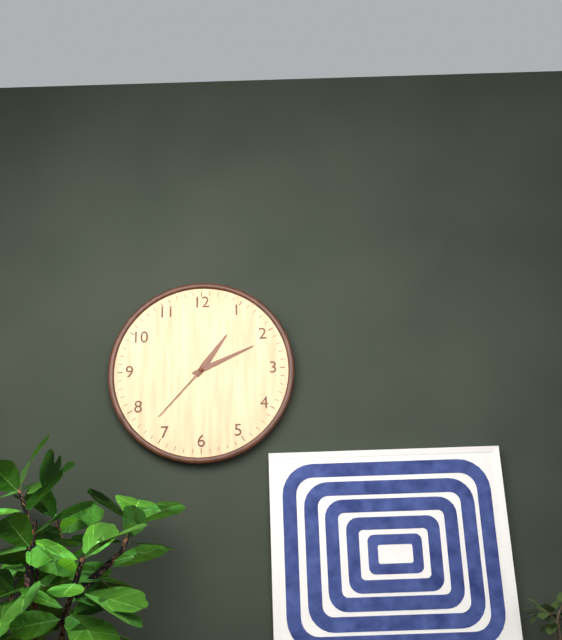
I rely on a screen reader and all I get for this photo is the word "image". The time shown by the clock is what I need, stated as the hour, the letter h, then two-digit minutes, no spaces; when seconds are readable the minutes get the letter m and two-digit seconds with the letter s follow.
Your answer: 1h11m37s
